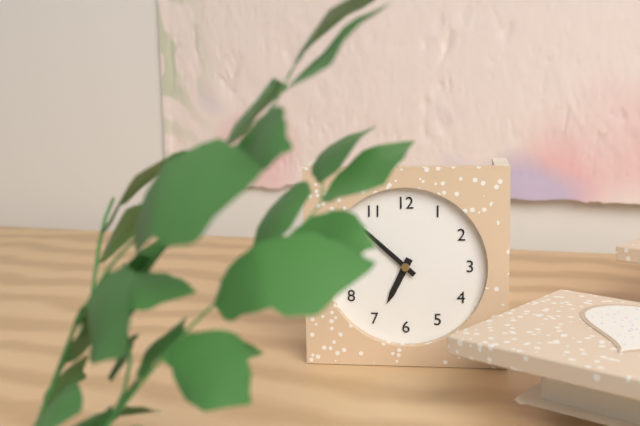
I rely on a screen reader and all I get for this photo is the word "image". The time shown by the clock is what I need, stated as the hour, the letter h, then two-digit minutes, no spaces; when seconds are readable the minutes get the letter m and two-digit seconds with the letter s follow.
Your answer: 6h52
